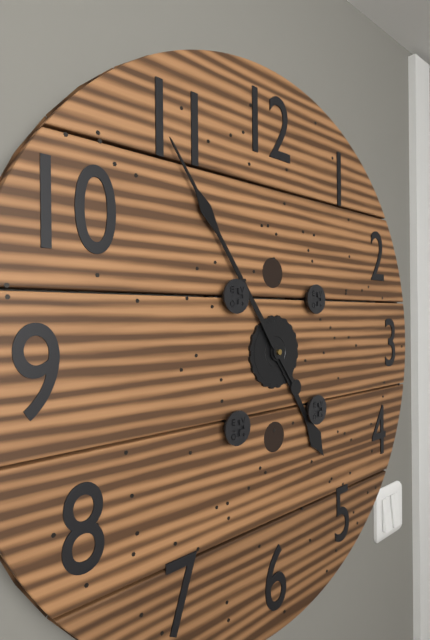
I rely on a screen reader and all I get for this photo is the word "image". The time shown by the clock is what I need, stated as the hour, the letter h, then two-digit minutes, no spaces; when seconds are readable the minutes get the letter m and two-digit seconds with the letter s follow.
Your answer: 4h54
